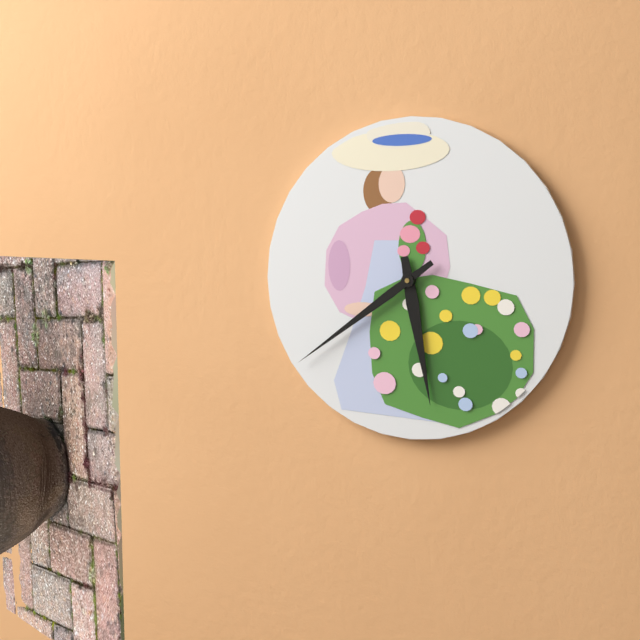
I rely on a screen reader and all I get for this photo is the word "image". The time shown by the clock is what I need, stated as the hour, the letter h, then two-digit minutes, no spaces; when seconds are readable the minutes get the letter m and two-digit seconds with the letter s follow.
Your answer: 5h39
